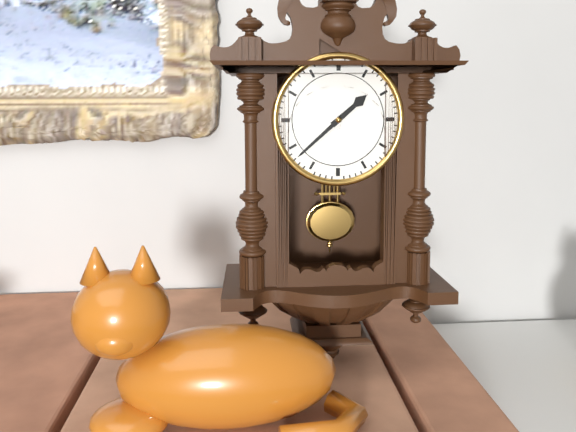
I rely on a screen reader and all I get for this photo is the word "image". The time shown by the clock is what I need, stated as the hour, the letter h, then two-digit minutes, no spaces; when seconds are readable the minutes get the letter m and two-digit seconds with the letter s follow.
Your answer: 1h38
